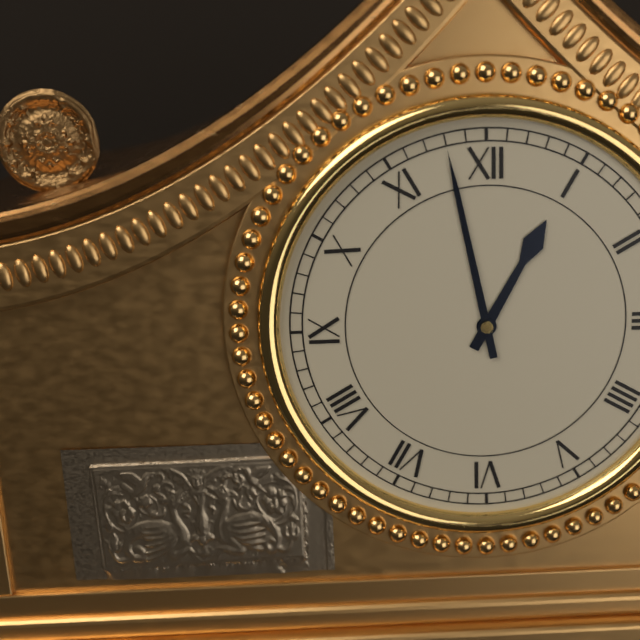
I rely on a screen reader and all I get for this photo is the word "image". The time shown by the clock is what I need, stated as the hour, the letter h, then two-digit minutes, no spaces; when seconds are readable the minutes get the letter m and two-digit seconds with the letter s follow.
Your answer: 12h58
